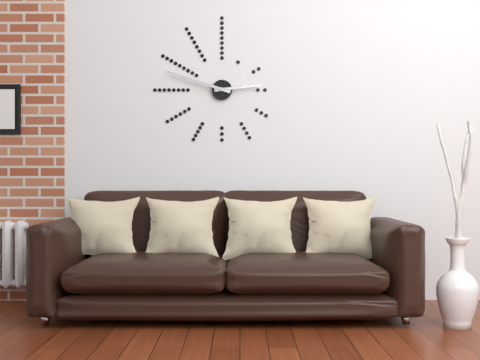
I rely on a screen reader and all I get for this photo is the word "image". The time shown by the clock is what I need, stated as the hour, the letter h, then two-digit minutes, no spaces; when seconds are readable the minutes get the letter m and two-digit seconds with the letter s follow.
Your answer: 2h48
